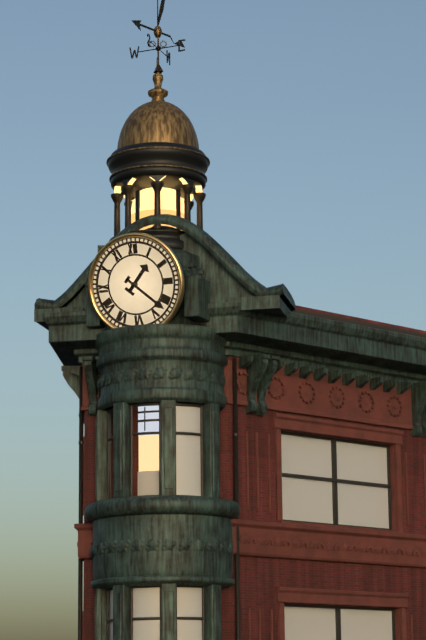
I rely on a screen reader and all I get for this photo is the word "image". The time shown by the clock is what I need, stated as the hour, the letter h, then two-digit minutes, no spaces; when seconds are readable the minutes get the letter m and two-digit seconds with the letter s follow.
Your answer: 1h22
